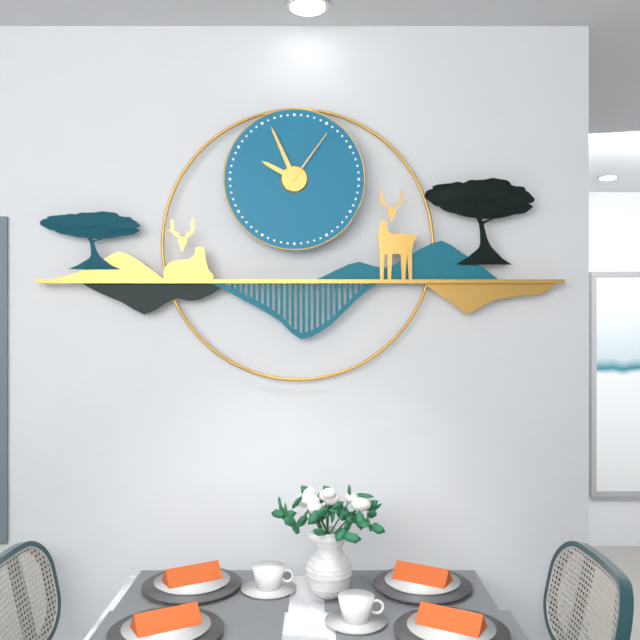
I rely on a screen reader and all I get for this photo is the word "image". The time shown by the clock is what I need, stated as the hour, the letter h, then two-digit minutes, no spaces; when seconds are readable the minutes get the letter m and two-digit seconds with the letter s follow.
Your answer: 9h56m06s
